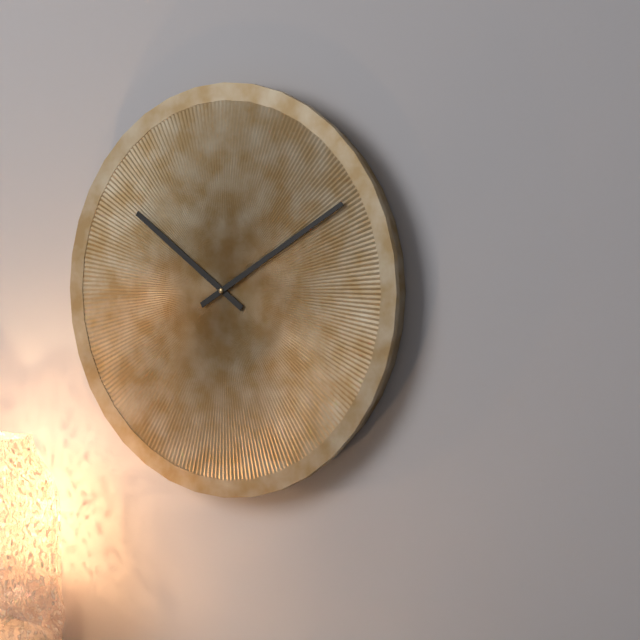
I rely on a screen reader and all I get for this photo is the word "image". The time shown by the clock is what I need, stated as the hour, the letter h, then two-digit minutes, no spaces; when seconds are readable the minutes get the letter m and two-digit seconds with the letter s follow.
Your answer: 10h10
